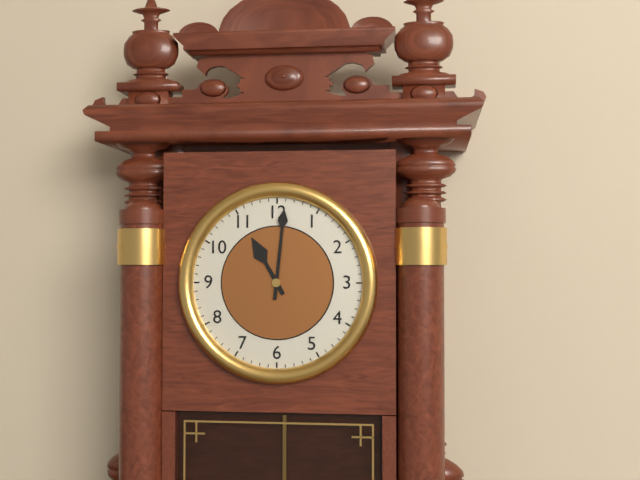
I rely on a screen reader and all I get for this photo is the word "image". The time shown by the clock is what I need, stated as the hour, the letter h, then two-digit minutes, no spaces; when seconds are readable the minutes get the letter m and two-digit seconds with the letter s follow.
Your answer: 11h01
